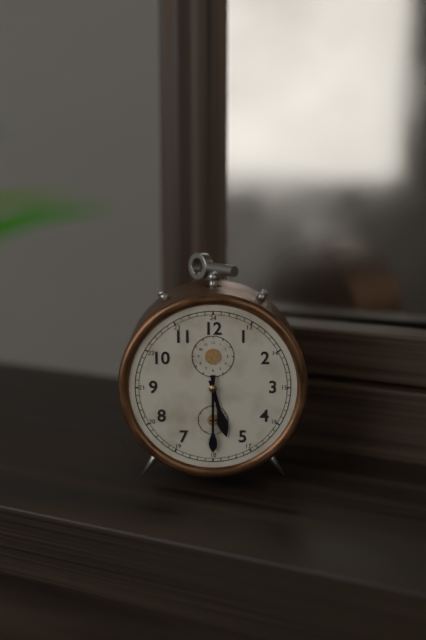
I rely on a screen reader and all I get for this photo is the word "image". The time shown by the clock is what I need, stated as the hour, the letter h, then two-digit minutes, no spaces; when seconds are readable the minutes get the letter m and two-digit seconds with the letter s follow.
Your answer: 5h30
